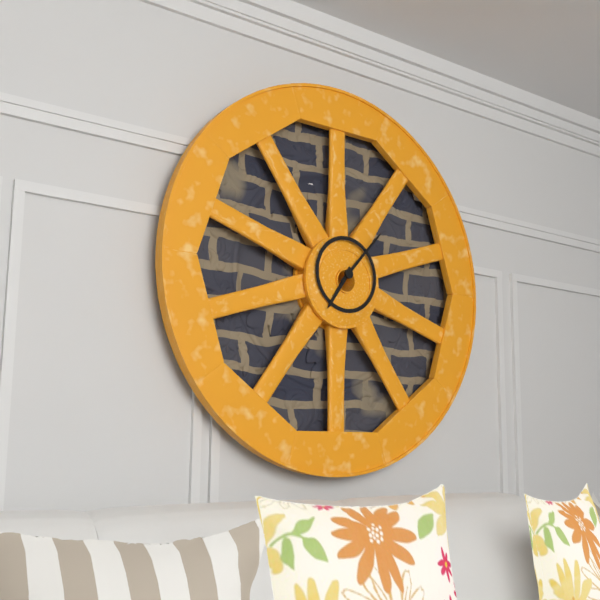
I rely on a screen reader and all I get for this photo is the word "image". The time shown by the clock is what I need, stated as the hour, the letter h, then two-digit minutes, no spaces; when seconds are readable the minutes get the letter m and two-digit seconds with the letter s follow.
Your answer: 7h07
